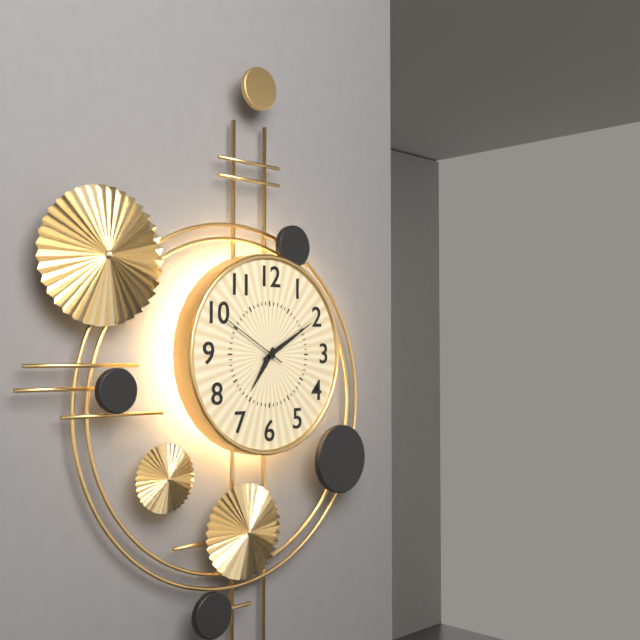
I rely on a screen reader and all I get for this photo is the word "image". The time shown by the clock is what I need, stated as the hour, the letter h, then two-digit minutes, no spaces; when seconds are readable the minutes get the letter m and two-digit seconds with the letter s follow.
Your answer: 7h10m50s
